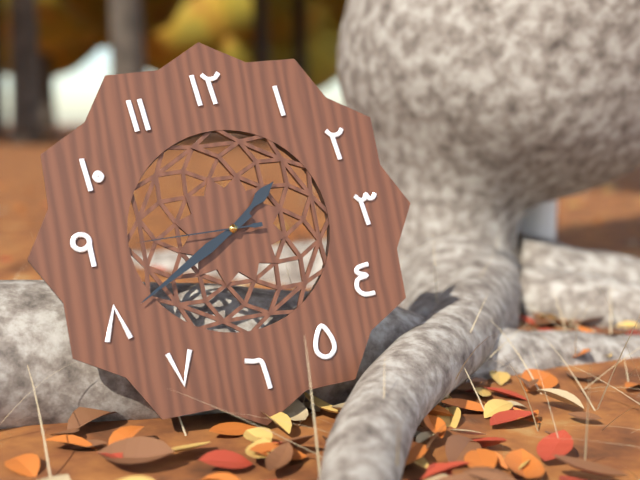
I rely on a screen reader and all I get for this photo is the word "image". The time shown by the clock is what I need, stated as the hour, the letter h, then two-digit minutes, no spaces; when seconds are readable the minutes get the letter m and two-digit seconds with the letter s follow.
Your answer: 1h40m45s
